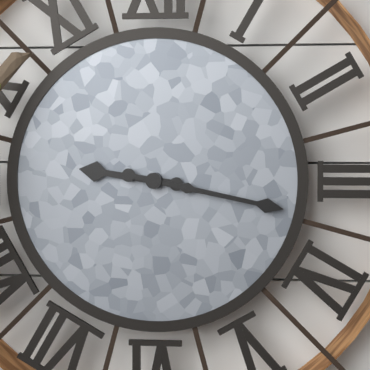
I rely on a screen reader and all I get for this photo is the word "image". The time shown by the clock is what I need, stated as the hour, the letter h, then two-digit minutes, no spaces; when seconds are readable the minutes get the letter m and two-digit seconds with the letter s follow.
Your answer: 9h17
